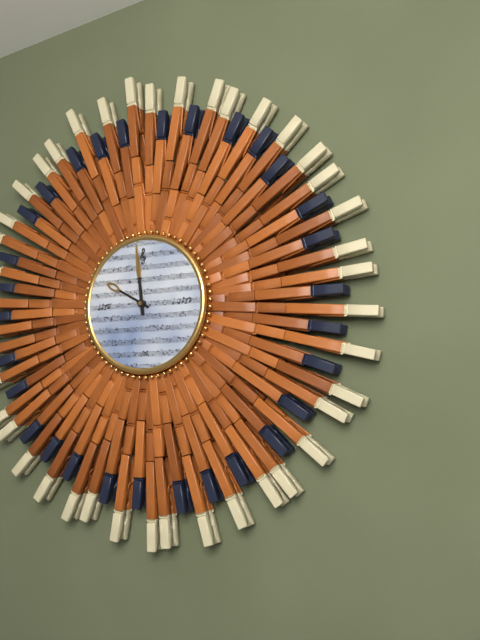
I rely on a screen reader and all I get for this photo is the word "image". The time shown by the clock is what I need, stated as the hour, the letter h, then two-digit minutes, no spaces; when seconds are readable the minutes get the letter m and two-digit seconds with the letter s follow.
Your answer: 9h59
